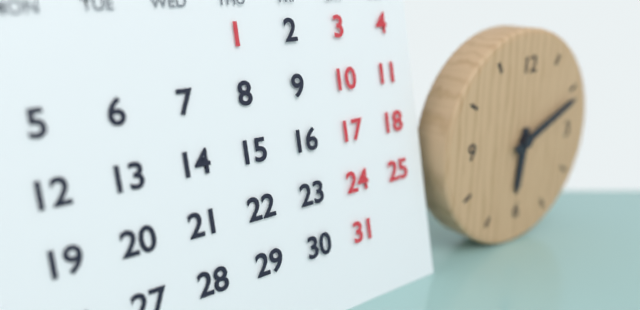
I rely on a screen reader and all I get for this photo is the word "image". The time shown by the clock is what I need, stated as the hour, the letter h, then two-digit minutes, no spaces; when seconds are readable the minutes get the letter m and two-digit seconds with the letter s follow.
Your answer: 6h11
